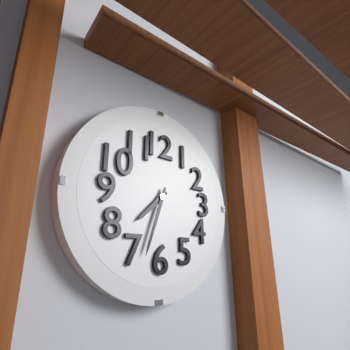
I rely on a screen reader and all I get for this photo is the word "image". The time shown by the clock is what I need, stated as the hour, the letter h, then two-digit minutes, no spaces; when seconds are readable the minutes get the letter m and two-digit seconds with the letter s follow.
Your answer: 7h33
